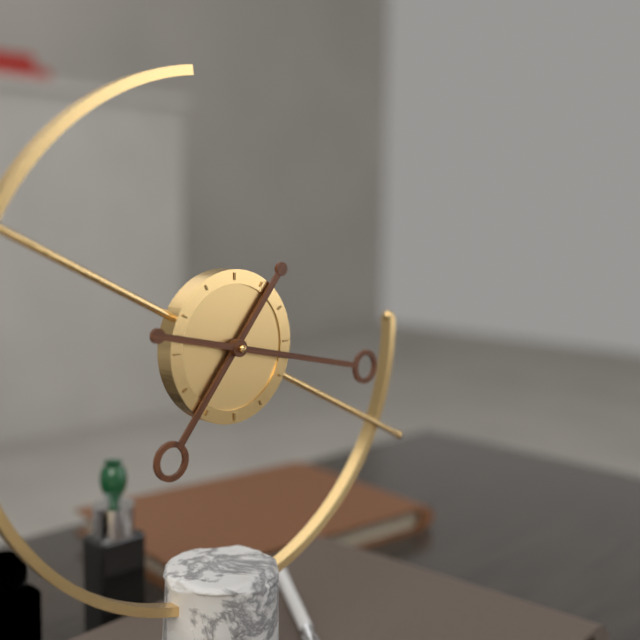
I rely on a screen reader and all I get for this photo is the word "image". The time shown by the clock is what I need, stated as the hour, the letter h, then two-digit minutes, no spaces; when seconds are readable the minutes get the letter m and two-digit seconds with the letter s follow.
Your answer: 7h17
